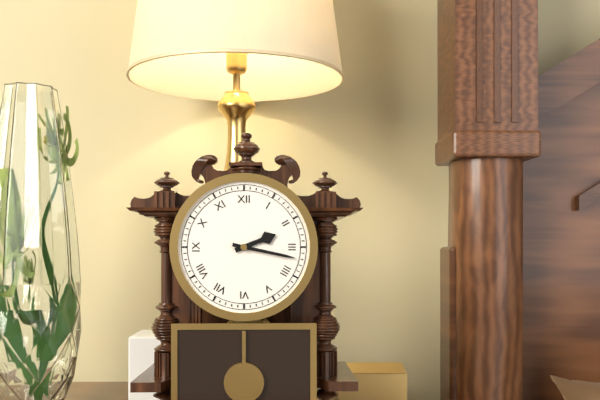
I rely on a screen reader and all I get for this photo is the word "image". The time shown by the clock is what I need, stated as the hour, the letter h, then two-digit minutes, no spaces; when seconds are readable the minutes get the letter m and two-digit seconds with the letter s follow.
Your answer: 2h17
